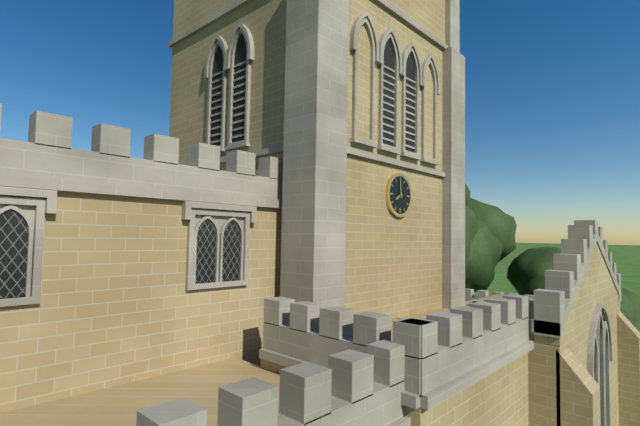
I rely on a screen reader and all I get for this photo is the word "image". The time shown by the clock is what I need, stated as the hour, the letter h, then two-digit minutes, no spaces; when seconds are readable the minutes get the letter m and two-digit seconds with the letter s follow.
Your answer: 7h59
